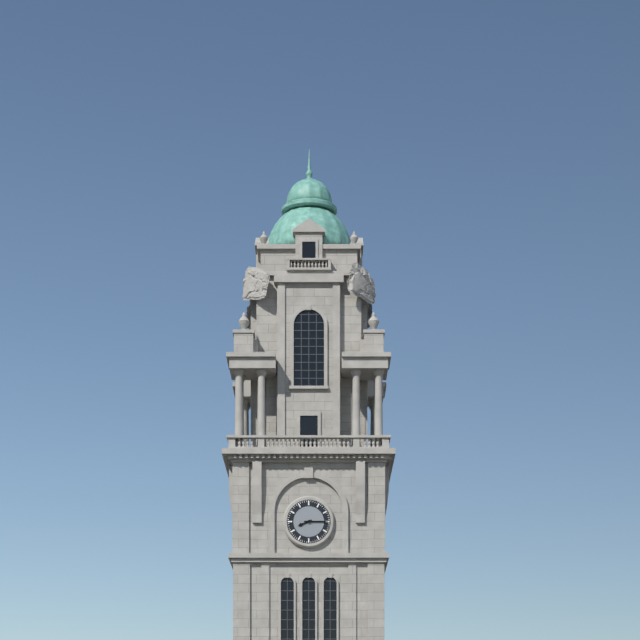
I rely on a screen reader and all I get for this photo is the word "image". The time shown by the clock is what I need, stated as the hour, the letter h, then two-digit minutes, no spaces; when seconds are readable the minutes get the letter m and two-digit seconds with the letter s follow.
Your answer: 8h15
